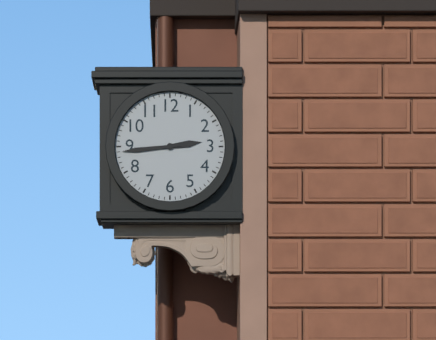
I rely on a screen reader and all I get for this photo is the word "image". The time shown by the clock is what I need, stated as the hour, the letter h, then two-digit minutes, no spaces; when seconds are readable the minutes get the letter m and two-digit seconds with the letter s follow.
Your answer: 2h44
